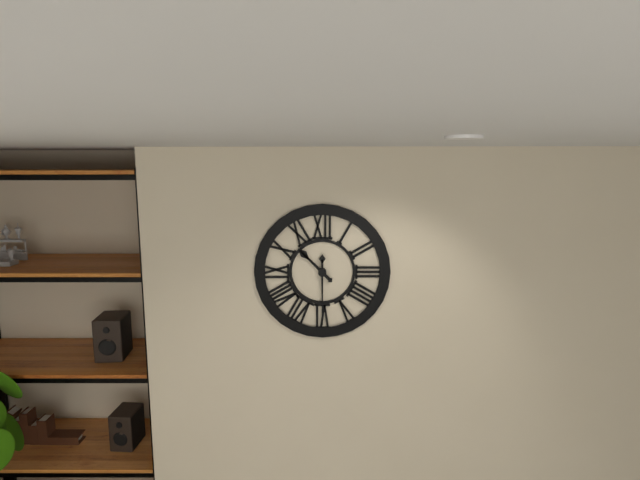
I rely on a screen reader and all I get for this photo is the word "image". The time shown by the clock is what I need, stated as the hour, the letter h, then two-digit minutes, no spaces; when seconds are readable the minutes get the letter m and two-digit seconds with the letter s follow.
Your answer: 10h30
